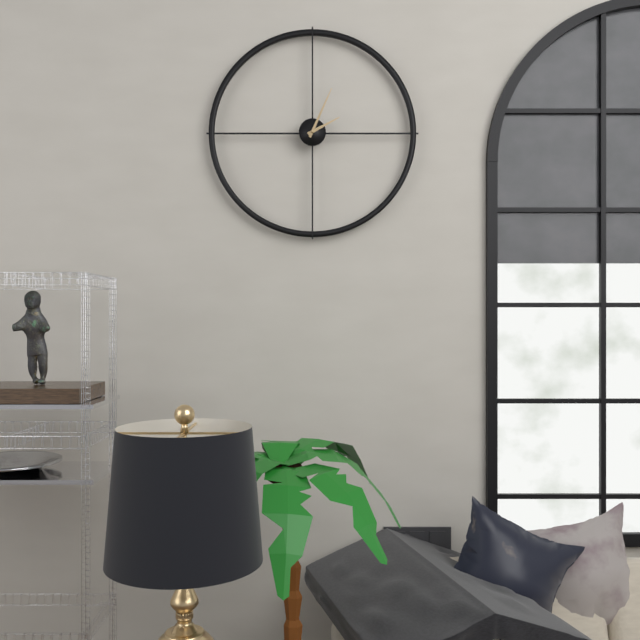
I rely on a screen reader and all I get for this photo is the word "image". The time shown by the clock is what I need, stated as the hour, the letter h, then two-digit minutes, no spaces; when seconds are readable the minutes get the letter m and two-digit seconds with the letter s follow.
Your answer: 2h04
